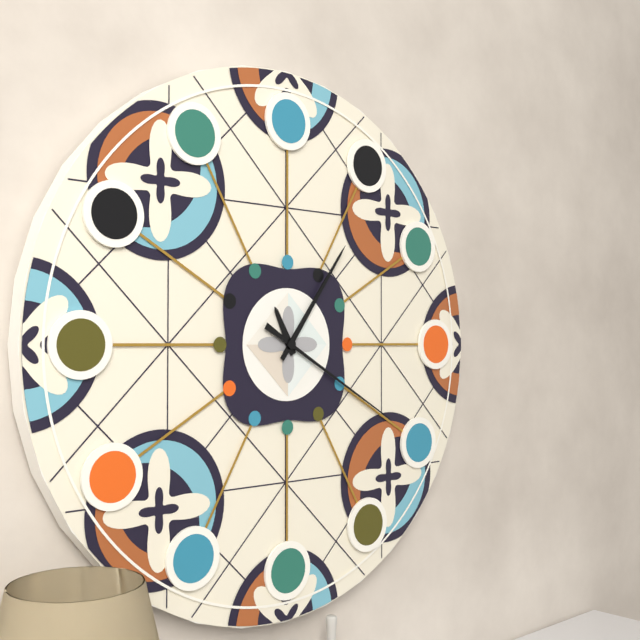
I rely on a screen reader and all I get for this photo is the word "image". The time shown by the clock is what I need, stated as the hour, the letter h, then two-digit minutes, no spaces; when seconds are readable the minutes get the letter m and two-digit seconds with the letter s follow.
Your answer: 11h06m20s
